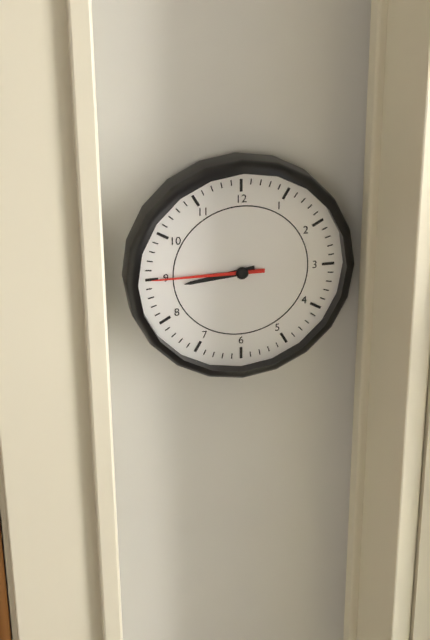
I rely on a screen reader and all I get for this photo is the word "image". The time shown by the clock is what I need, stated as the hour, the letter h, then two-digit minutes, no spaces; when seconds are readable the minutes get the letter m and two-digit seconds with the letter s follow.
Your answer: 8h45
